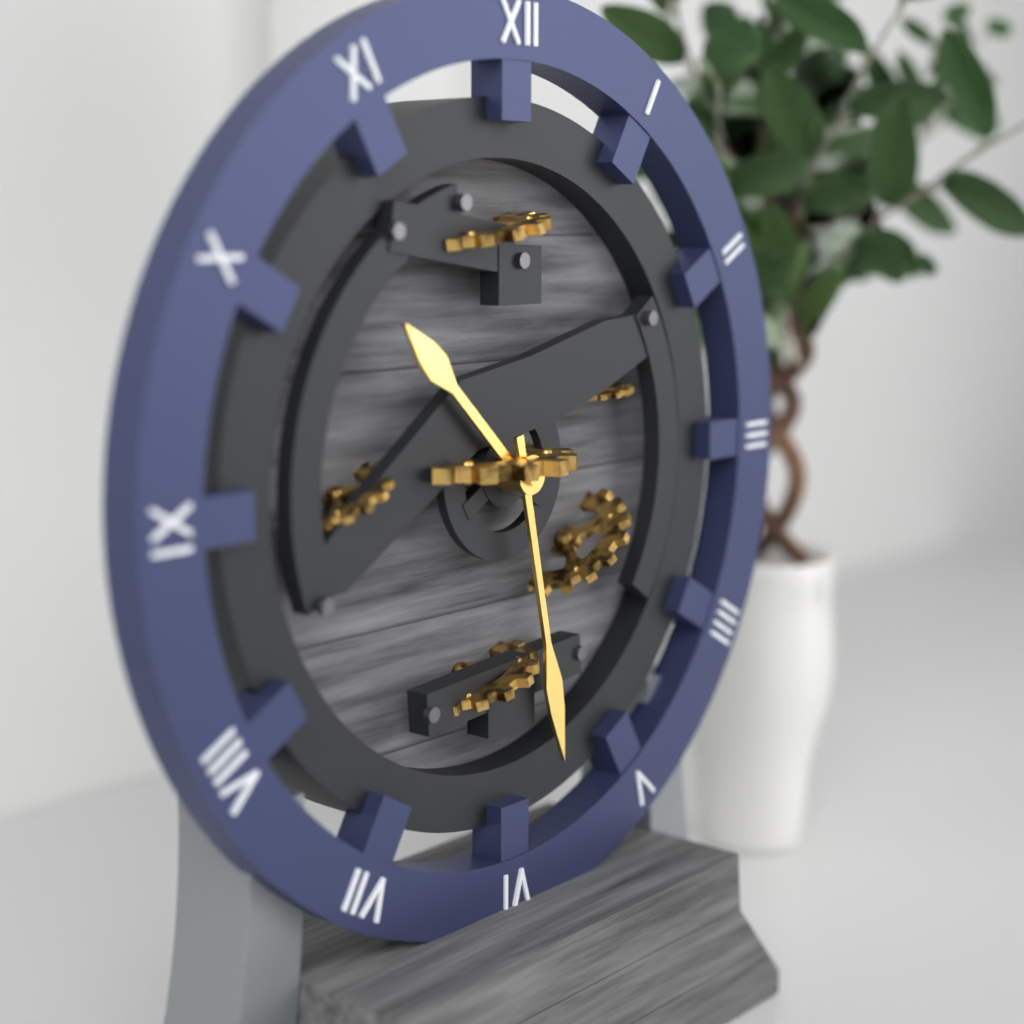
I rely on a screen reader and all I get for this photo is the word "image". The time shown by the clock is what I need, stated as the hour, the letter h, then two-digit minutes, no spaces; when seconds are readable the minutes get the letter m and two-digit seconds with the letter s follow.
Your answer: 10h28
